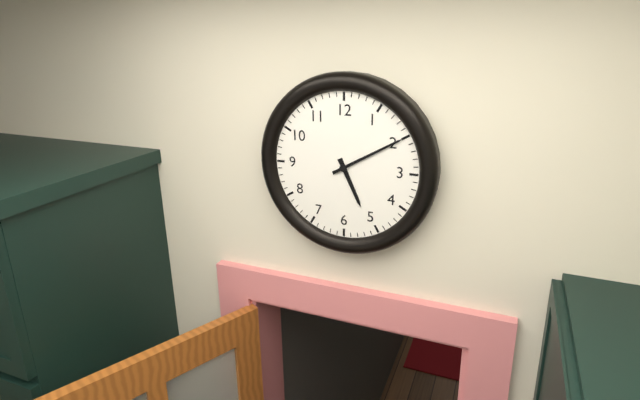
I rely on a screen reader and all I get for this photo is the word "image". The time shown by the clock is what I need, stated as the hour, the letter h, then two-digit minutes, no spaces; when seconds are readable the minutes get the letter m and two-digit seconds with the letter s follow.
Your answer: 5h10
